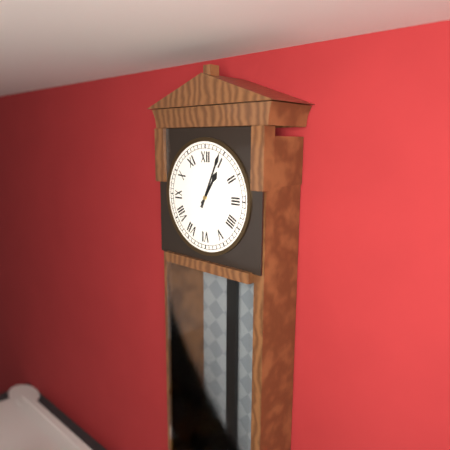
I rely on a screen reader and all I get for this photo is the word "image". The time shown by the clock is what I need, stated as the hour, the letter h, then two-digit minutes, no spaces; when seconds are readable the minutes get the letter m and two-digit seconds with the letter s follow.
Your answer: 1h04
